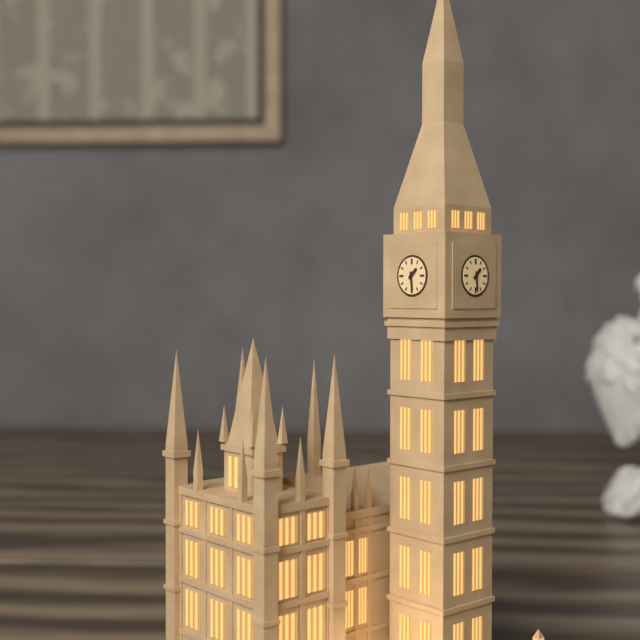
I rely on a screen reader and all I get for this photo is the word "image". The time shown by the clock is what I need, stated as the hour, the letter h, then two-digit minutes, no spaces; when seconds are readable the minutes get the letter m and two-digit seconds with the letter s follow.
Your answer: 1h29
